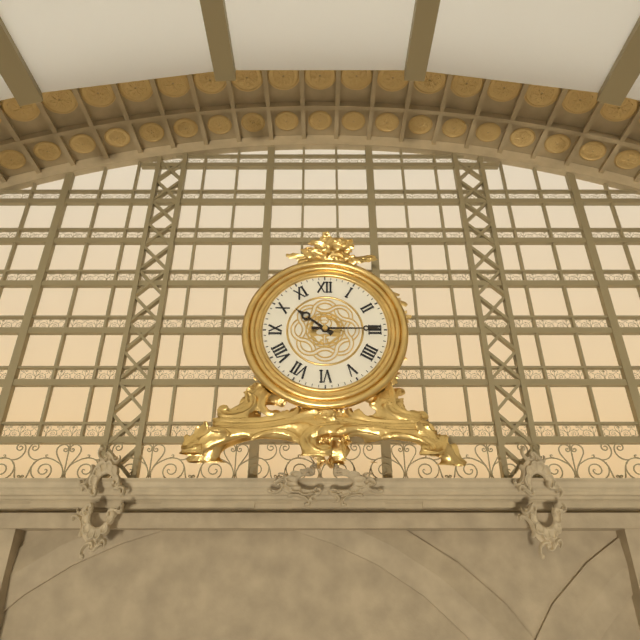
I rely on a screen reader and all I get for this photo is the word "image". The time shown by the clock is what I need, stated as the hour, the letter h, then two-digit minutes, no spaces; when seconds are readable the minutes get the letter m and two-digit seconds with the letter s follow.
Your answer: 10h15
